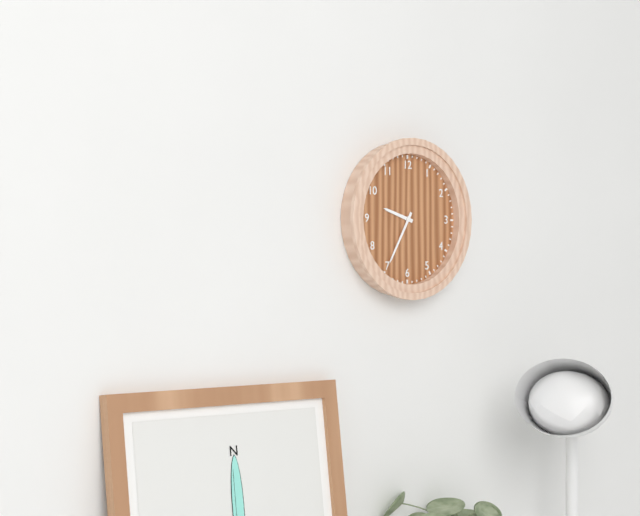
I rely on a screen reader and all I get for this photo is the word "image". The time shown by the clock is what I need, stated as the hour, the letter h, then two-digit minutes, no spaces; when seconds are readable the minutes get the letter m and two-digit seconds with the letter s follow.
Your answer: 9h35
